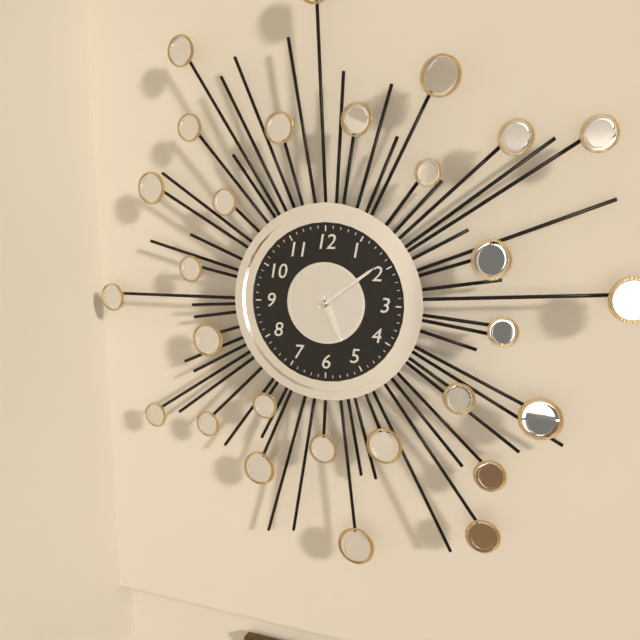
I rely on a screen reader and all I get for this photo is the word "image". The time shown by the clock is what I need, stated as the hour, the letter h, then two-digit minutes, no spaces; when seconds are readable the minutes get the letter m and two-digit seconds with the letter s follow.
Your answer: 5h09
